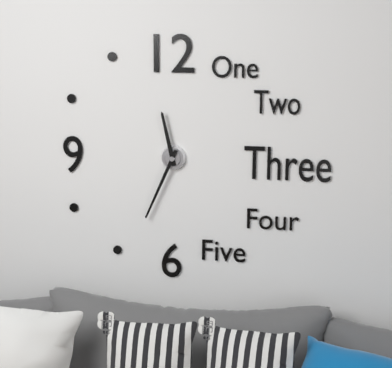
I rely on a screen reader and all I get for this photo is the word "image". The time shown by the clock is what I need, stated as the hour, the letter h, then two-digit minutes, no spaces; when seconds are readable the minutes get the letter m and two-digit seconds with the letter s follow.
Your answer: 11h34
